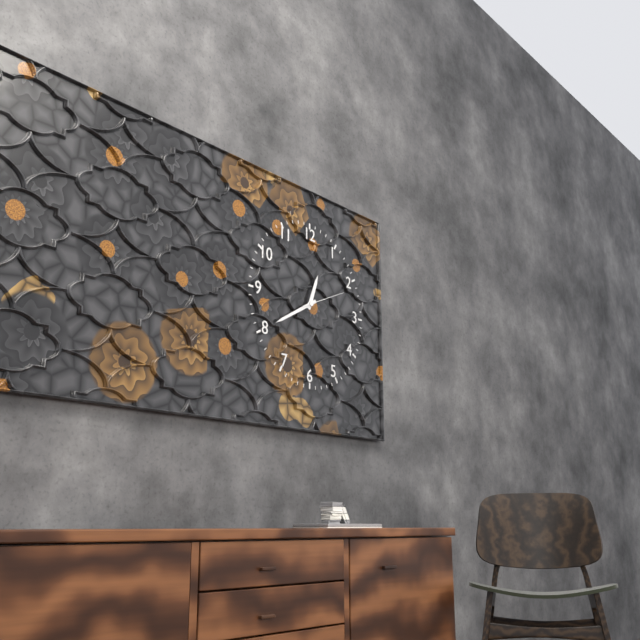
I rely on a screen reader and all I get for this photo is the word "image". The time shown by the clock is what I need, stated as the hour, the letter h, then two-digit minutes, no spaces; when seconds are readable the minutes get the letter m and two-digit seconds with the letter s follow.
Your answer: 12h40
